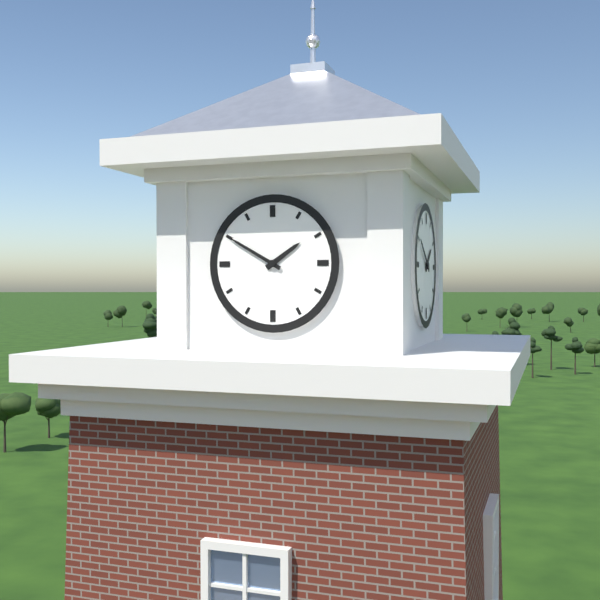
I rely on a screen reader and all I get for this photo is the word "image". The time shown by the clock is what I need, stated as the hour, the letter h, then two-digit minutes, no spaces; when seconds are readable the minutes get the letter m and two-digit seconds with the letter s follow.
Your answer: 1h50
